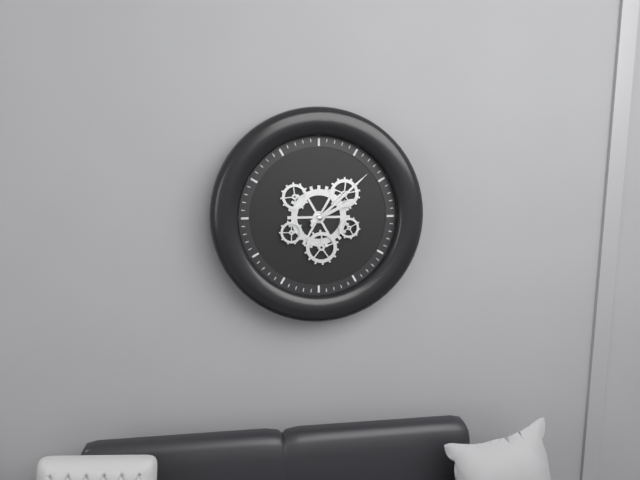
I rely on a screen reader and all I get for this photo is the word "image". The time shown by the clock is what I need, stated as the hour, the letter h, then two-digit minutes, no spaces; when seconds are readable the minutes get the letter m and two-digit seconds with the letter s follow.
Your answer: 2h08
